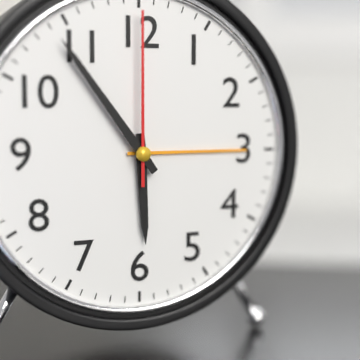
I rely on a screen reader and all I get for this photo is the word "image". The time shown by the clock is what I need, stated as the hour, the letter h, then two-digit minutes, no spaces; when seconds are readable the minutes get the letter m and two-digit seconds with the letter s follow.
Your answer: 5h54m00s
